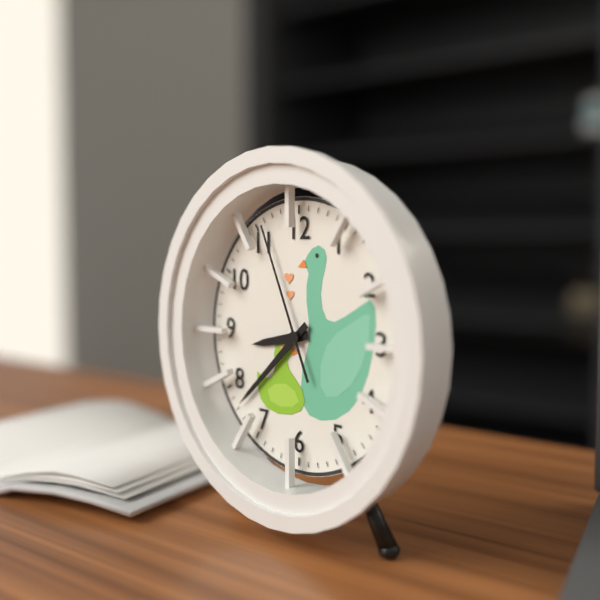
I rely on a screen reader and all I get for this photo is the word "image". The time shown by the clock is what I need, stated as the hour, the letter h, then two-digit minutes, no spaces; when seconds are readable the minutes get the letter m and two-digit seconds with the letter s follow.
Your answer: 8h38m56s
